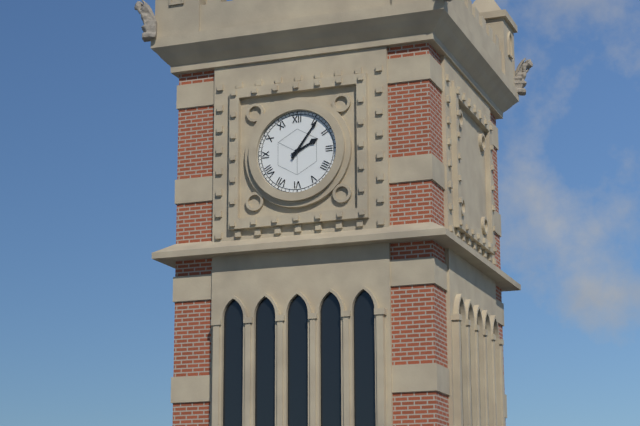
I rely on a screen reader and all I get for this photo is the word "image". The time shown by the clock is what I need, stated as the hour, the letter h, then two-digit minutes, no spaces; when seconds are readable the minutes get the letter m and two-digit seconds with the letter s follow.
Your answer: 2h06
